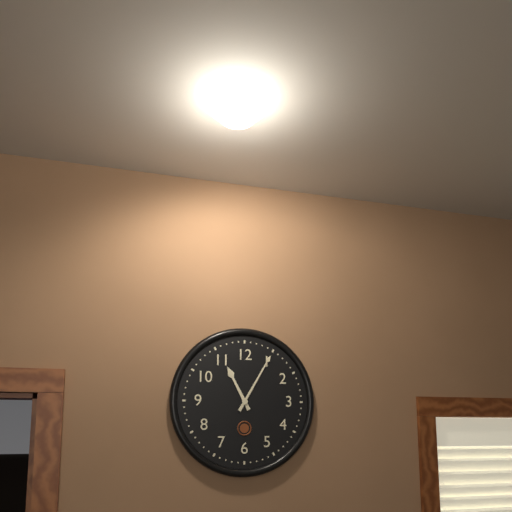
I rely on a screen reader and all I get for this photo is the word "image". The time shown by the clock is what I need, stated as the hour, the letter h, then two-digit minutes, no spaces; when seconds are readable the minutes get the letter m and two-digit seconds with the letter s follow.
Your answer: 11h05
